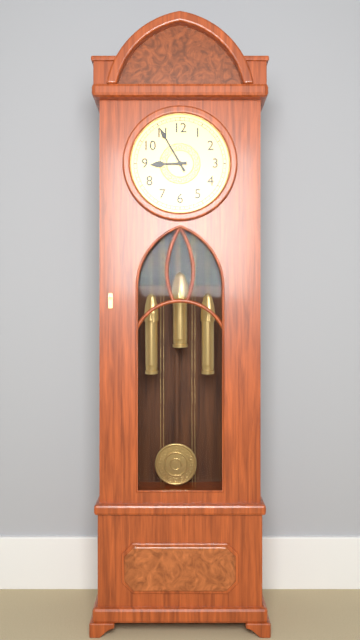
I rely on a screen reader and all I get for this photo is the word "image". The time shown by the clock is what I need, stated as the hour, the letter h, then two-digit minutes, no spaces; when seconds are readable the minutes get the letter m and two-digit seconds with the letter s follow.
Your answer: 8h55
